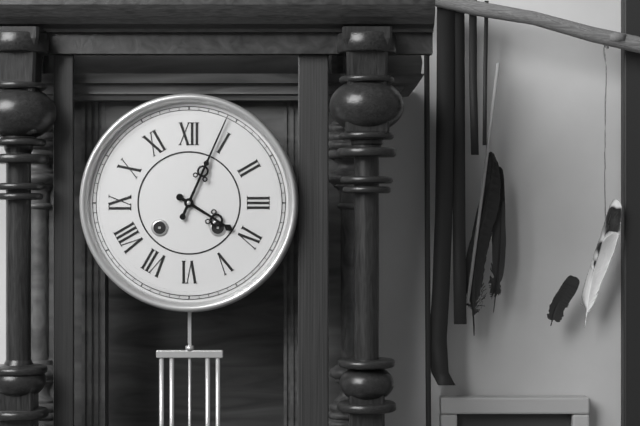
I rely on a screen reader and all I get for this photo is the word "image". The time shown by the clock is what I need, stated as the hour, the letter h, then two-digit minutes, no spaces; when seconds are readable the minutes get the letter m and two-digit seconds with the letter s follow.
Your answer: 4h04
